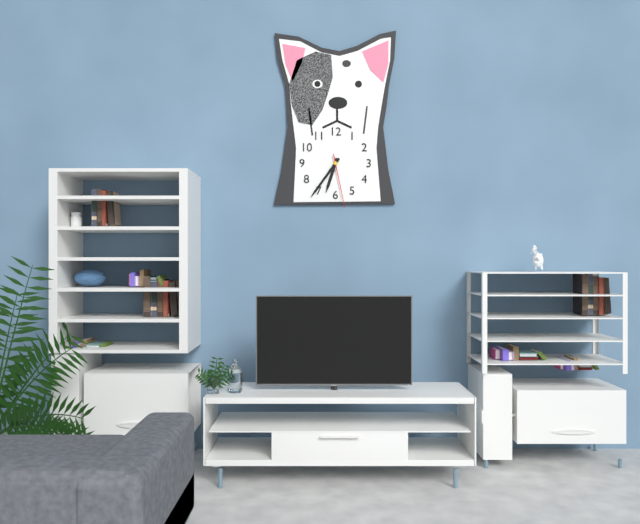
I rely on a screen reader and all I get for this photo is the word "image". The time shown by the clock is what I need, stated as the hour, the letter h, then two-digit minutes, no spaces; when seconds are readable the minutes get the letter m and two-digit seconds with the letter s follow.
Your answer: 6h36m28s
